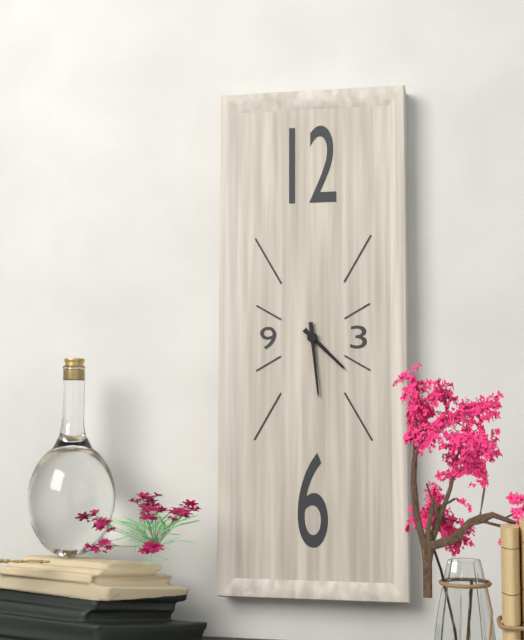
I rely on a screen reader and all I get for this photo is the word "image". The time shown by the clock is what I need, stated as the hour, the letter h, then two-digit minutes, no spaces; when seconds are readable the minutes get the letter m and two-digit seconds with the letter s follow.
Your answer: 4h29
